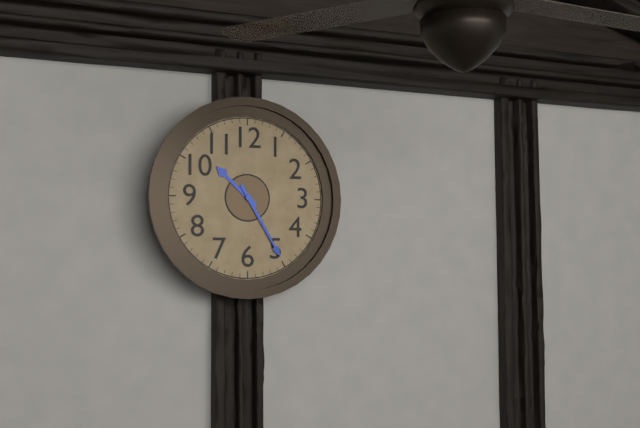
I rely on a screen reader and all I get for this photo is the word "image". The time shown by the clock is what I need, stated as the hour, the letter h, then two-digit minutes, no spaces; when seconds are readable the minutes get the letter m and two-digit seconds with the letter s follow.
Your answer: 10h25
